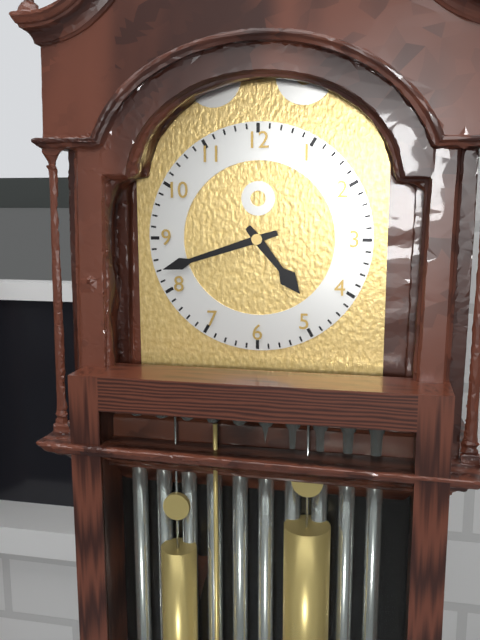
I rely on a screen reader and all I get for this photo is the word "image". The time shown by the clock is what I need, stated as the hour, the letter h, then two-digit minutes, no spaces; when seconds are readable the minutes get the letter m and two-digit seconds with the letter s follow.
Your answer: 4h42
